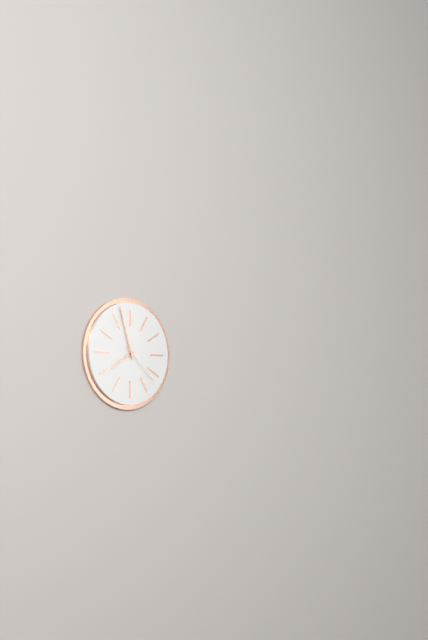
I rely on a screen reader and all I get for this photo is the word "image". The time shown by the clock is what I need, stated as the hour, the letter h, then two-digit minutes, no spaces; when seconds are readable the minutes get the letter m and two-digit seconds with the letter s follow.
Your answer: 7h57
